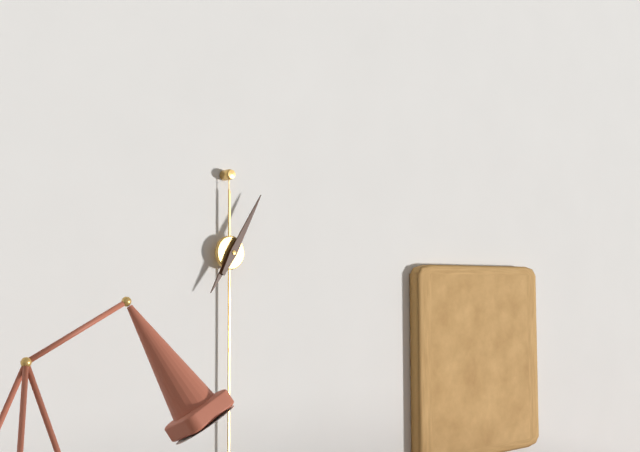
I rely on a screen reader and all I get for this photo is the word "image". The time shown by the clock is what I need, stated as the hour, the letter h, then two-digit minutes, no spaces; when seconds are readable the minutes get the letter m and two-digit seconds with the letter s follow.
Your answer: 7h05
